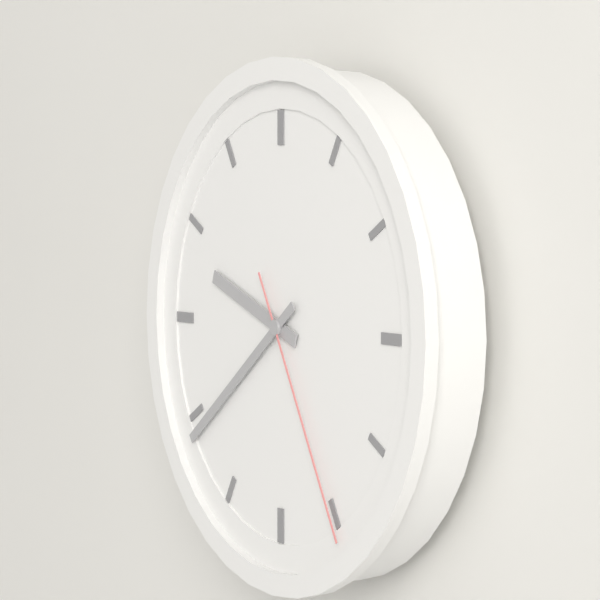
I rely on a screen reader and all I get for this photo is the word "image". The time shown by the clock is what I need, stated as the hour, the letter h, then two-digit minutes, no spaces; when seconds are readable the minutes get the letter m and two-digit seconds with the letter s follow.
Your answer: 9h39m25s
